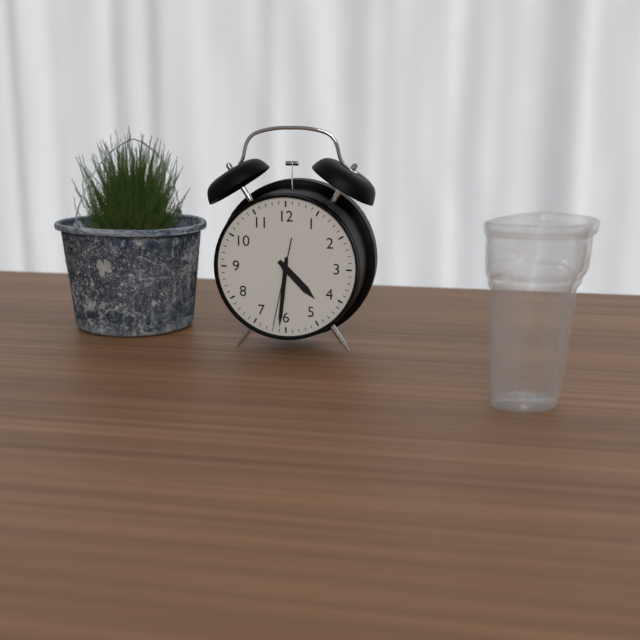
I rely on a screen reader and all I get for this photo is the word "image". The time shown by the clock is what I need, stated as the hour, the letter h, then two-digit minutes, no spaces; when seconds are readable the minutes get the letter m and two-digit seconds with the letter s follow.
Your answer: 4h31m32s
